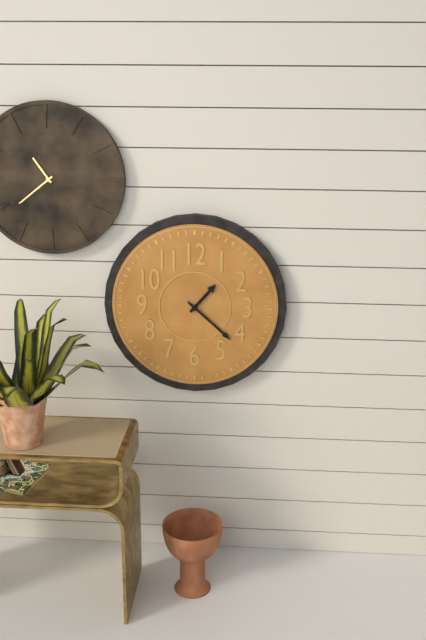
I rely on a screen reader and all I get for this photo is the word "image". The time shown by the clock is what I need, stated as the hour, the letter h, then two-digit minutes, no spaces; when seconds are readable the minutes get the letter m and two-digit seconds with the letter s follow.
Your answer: 1h22
